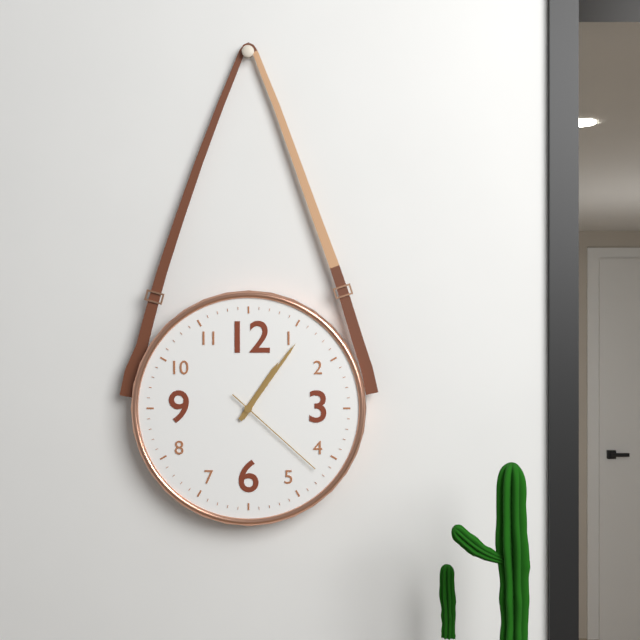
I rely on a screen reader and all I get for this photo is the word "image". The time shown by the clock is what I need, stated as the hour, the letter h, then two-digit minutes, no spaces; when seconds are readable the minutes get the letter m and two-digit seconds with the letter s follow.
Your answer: 1h06m22s
